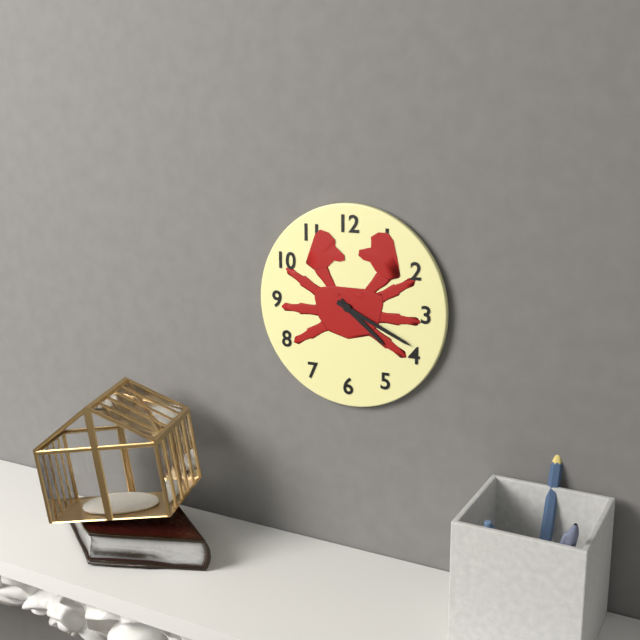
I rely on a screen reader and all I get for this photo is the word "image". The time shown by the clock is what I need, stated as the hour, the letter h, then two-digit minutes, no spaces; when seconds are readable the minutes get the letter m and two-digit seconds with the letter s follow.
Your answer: 4h19
